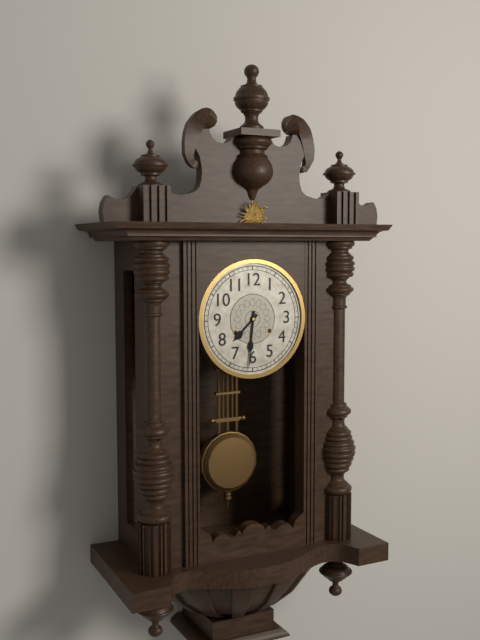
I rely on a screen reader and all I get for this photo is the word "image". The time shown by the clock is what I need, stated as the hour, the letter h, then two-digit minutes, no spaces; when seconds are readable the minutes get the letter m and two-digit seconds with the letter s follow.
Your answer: 7h31
